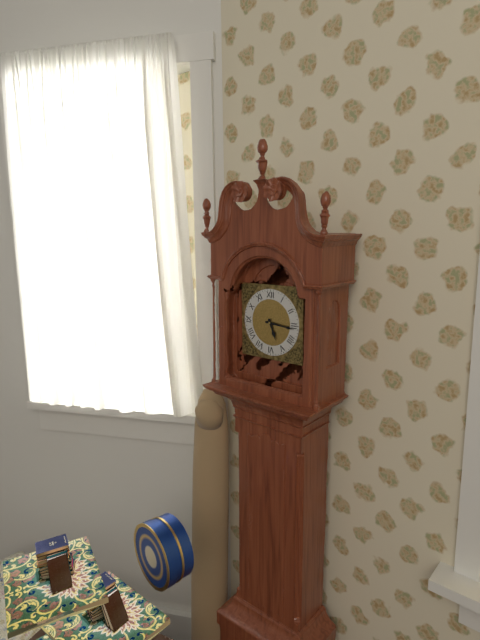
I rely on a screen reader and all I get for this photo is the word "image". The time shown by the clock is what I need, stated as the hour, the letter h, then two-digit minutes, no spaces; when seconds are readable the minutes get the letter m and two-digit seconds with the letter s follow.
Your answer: 5h16
